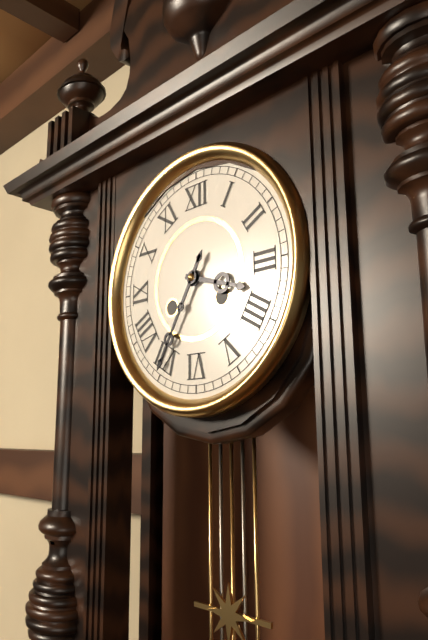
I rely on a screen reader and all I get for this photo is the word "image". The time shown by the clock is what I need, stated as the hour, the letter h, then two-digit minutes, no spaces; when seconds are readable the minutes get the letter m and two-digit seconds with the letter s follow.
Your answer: 3h35
